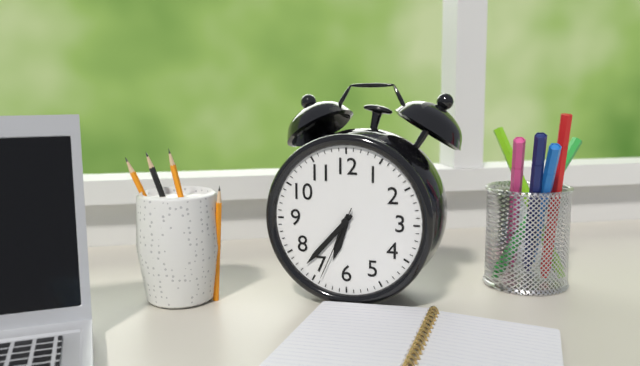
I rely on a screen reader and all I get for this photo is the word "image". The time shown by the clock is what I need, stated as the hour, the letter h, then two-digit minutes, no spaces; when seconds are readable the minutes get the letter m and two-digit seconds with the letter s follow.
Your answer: 6h37m34s
